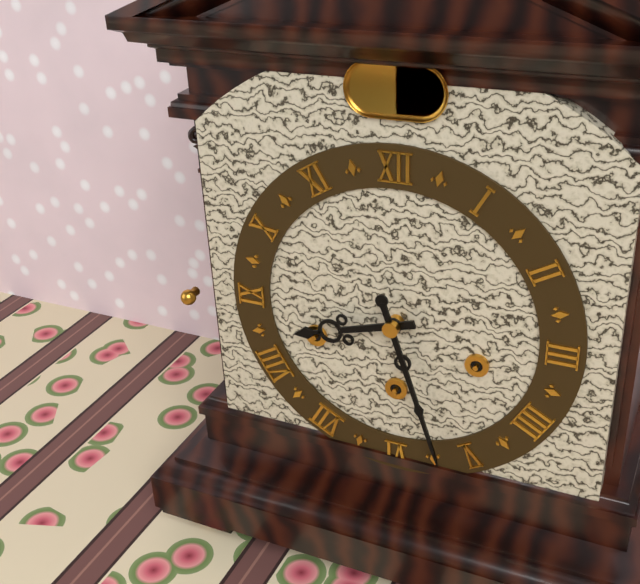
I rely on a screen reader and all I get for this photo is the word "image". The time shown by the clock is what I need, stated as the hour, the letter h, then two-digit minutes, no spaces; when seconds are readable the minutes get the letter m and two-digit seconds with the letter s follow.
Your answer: 8h27
